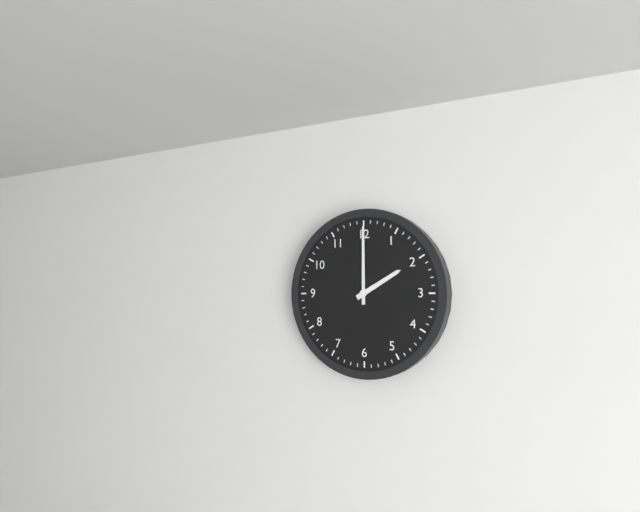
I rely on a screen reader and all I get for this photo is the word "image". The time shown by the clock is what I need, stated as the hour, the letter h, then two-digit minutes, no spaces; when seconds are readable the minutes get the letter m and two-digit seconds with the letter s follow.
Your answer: 2h00
